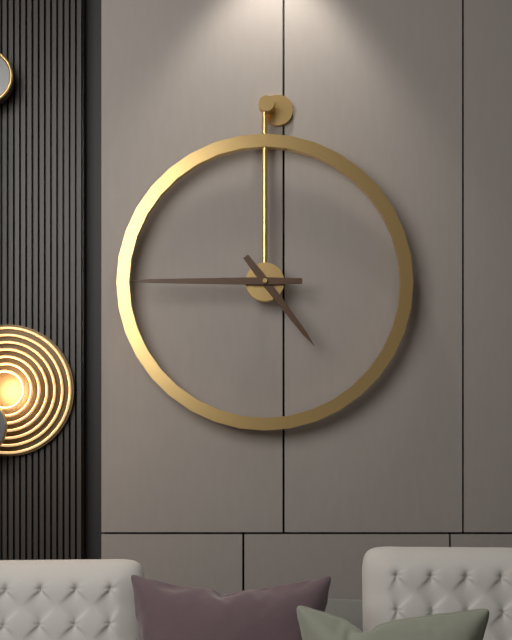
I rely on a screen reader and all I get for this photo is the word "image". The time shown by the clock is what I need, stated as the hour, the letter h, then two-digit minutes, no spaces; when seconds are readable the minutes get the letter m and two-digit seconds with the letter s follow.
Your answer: 4h45
